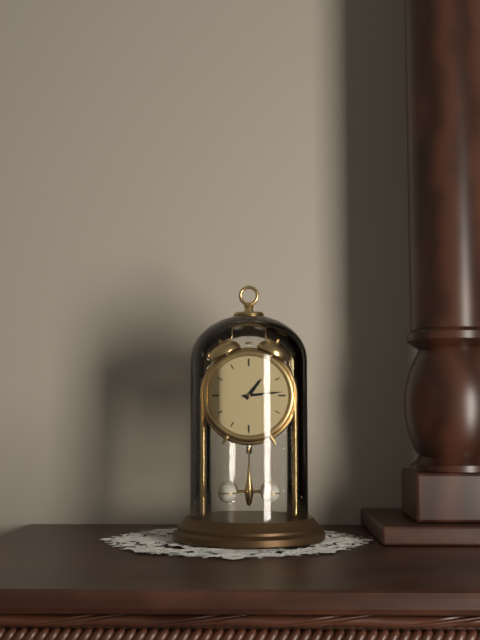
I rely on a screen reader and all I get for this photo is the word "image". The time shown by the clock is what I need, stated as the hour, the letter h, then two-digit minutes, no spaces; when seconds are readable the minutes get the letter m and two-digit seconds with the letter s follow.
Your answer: 1h14
